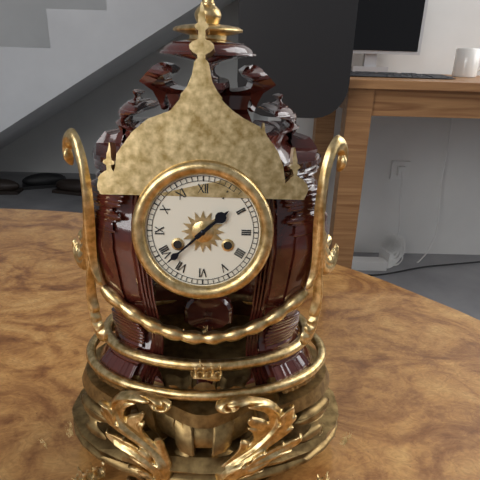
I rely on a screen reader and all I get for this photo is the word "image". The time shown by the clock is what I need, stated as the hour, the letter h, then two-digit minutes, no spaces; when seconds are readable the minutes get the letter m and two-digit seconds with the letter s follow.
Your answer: 1h38
